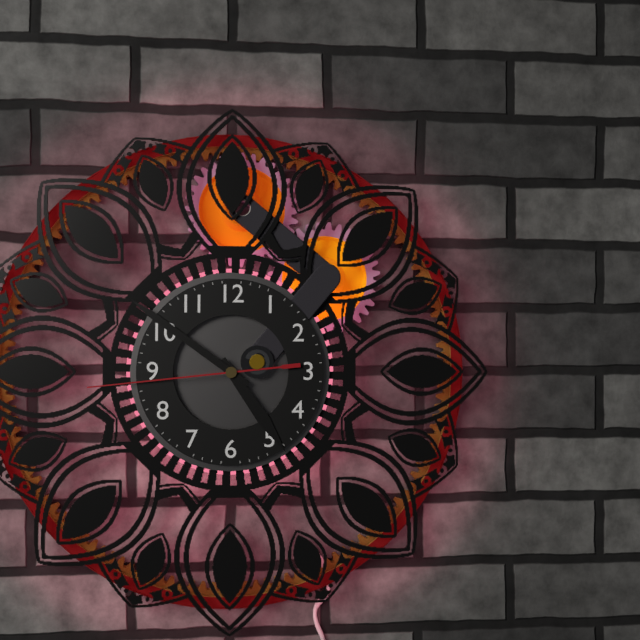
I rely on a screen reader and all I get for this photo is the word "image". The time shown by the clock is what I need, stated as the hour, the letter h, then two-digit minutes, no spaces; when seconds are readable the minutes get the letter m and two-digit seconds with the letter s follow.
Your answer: 4h51m44s
